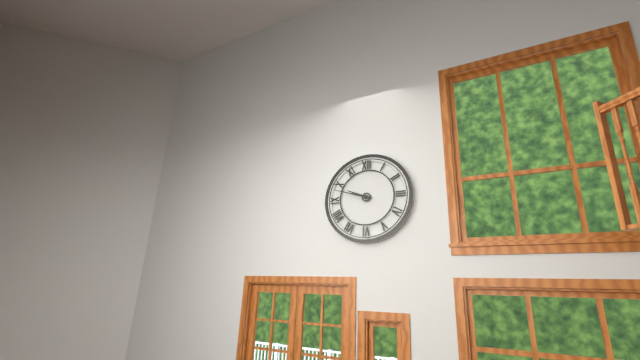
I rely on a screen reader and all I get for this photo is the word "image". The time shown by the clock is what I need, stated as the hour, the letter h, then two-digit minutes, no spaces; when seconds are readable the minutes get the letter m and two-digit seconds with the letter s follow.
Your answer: 9h48
